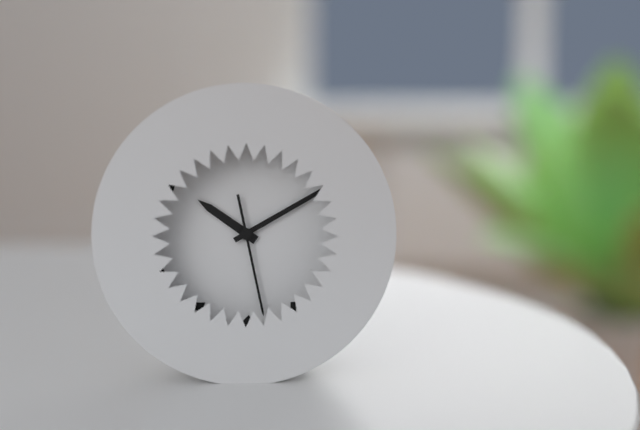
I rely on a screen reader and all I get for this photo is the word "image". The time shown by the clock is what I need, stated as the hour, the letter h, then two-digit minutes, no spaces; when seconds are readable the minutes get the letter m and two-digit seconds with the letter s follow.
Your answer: 10h10m28s
